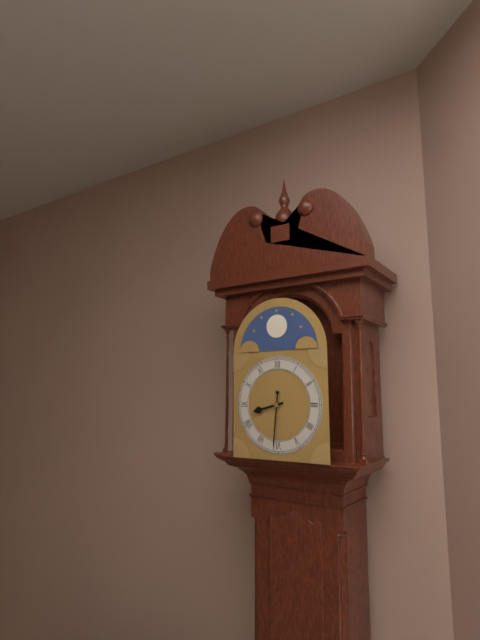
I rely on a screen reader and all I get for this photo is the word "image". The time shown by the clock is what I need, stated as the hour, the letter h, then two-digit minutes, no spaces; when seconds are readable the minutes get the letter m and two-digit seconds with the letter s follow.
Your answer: 8h31
